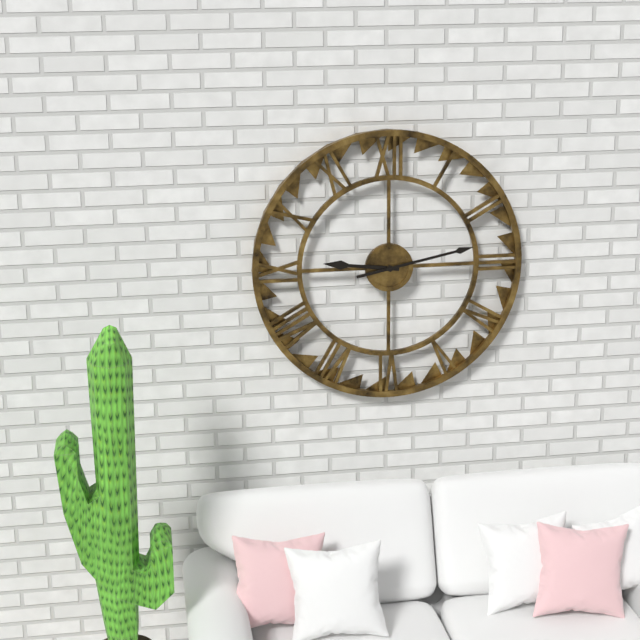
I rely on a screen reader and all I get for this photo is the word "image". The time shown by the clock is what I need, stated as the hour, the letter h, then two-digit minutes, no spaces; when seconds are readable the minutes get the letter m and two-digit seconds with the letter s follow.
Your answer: 9h13
